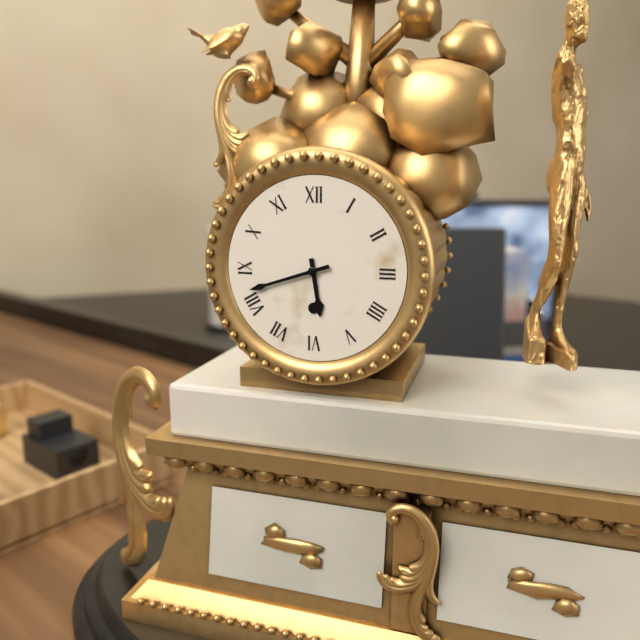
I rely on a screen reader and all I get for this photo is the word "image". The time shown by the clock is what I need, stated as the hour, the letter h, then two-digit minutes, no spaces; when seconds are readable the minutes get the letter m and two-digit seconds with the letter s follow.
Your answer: 5h42
